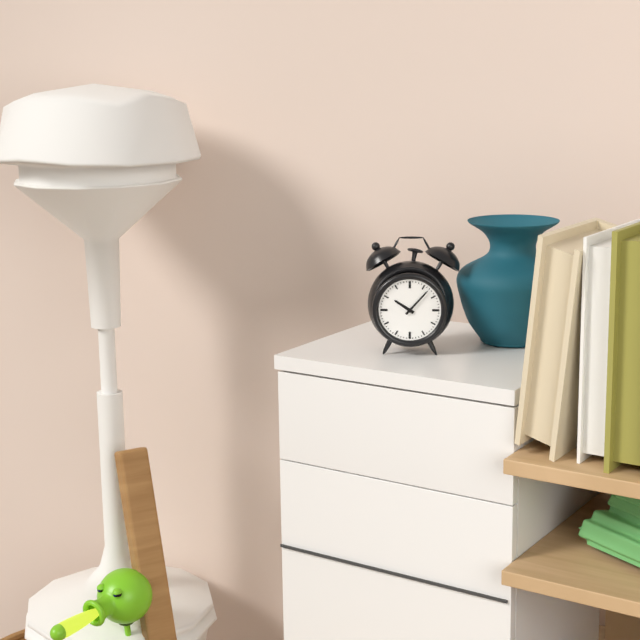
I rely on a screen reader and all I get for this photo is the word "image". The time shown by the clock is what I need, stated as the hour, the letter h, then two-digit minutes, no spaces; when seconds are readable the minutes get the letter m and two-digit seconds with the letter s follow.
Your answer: 10h07
